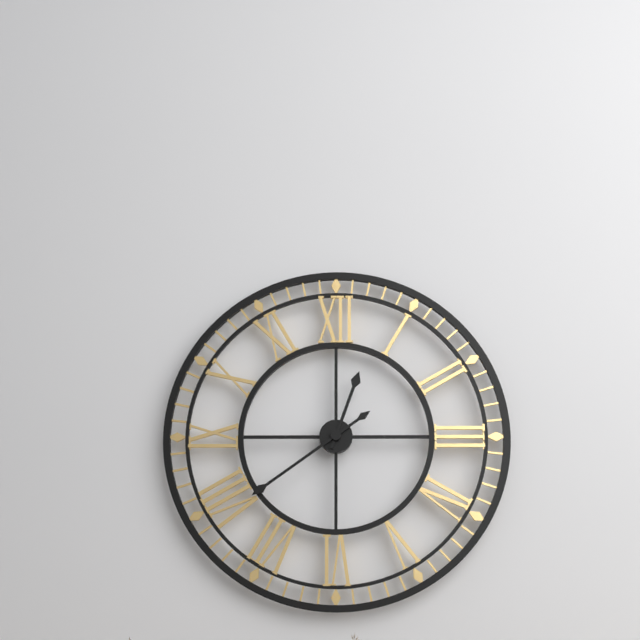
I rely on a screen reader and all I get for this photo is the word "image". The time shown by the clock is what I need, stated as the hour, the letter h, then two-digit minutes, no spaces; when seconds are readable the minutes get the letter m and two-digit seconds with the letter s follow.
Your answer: 12h39
